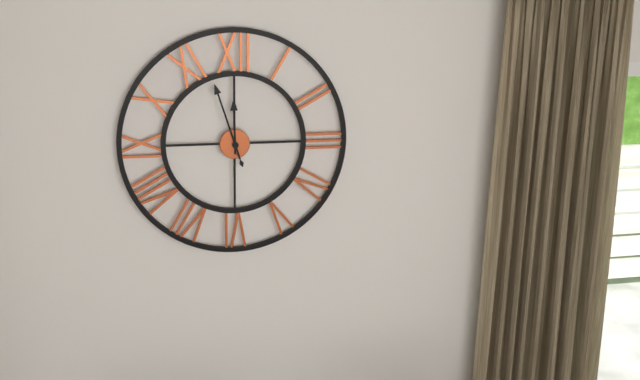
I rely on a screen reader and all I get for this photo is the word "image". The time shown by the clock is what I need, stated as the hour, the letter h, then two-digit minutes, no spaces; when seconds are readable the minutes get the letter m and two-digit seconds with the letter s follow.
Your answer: 11h57
